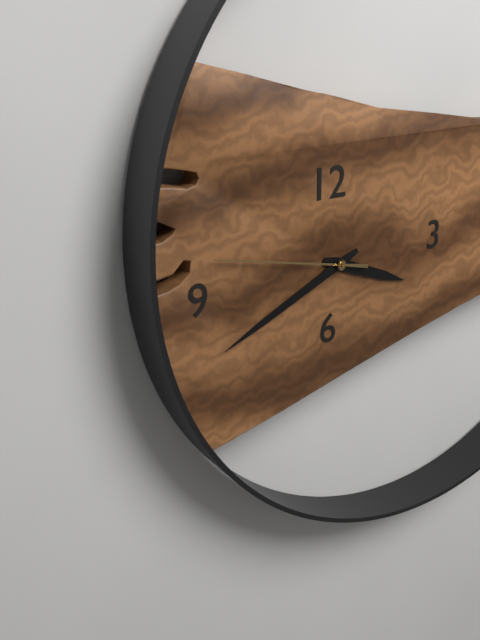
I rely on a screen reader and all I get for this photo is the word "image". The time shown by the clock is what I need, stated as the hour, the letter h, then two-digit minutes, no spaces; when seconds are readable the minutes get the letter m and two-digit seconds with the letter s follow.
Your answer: 3h41m47s
